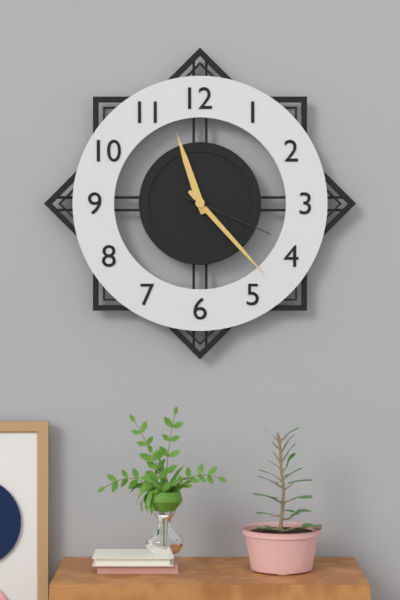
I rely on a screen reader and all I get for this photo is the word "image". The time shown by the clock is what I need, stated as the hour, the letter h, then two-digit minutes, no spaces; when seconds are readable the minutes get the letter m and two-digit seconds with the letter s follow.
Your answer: 11h23m19s
